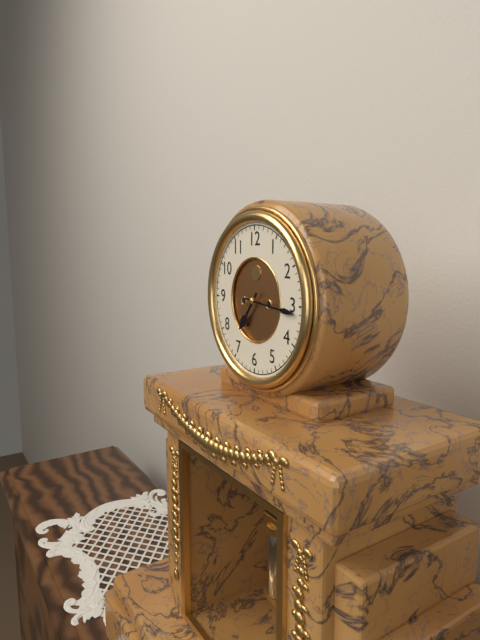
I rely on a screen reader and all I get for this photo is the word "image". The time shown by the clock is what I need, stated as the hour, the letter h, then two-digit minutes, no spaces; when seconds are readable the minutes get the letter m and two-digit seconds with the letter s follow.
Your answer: 7h16
